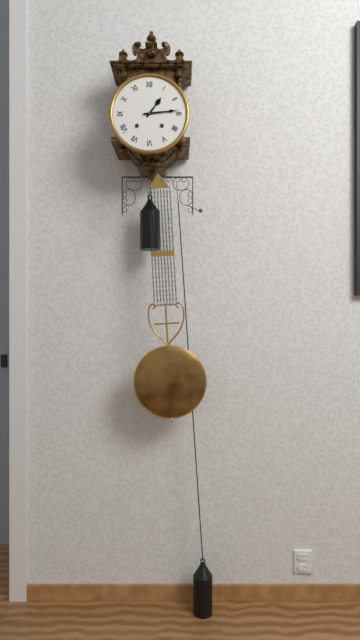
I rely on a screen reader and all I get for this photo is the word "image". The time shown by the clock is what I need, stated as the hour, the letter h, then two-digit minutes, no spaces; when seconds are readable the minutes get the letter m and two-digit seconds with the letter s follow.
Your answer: 1h14
